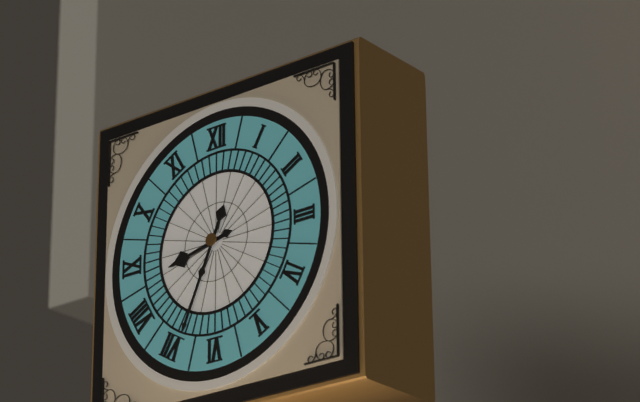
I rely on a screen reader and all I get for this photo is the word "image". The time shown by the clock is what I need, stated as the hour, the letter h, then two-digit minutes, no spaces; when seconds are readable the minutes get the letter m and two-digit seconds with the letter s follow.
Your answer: 8h34
